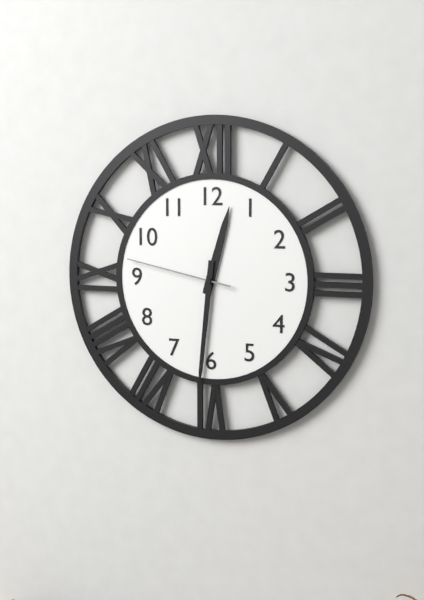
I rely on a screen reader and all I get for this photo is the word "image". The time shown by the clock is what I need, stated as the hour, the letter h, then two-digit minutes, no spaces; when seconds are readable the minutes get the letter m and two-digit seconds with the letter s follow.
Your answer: 12h31m47s
